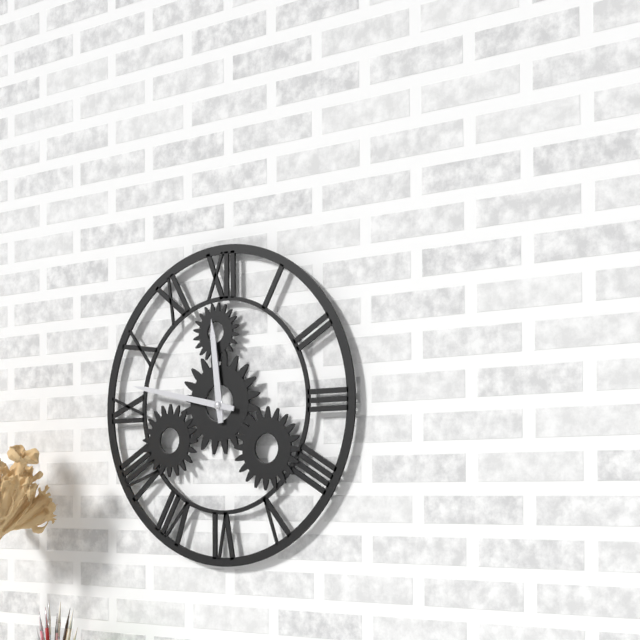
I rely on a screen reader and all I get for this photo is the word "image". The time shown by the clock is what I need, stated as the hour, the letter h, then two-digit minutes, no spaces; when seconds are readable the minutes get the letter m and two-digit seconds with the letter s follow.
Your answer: 11h47
